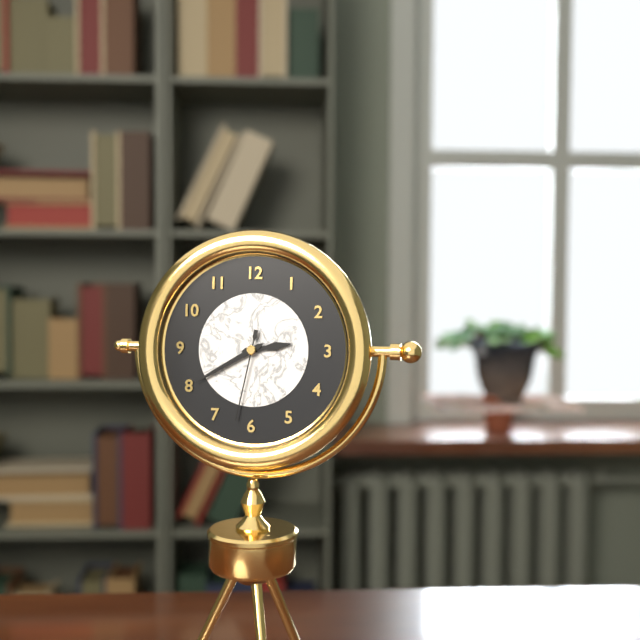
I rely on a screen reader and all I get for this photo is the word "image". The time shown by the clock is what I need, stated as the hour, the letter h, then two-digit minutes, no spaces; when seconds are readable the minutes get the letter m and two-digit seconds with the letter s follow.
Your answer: 2h40m32s
